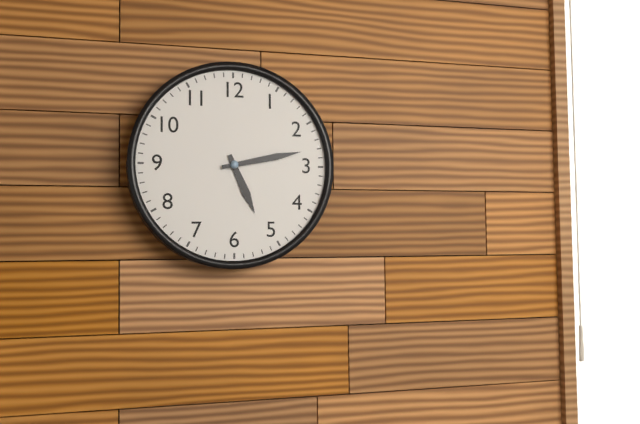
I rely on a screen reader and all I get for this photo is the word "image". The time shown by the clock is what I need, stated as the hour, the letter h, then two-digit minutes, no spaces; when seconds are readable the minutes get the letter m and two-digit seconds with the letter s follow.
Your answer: 5h13
